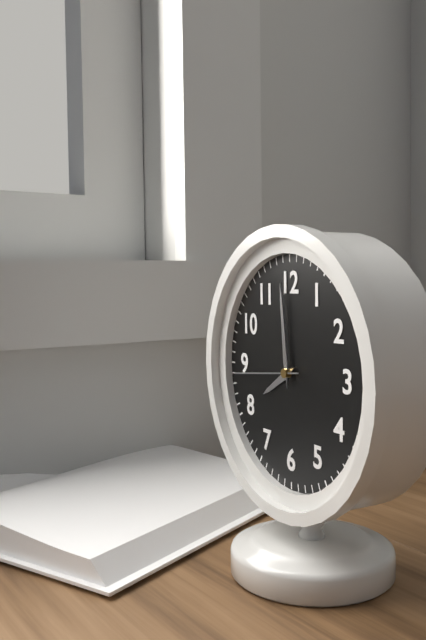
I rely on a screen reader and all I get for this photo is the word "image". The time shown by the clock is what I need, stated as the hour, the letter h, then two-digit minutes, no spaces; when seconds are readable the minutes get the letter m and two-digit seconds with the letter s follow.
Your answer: 7h59m44s
